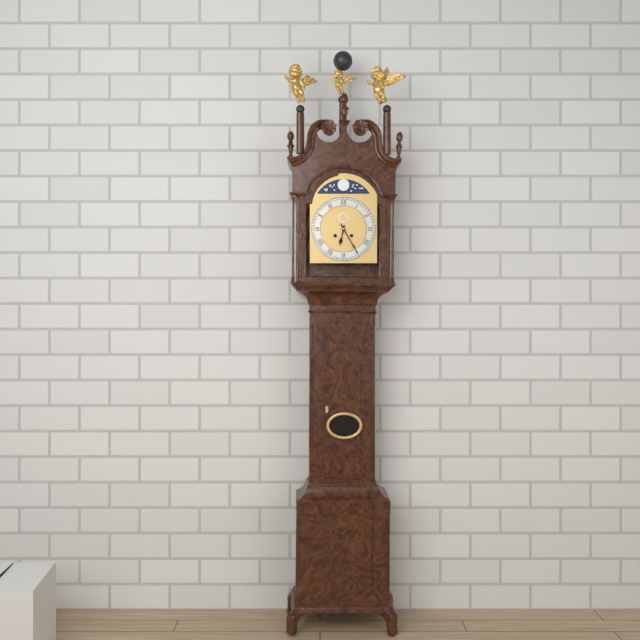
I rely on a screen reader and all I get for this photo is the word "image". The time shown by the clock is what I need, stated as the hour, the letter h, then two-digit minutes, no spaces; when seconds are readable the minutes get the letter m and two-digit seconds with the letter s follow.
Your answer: 6h25
